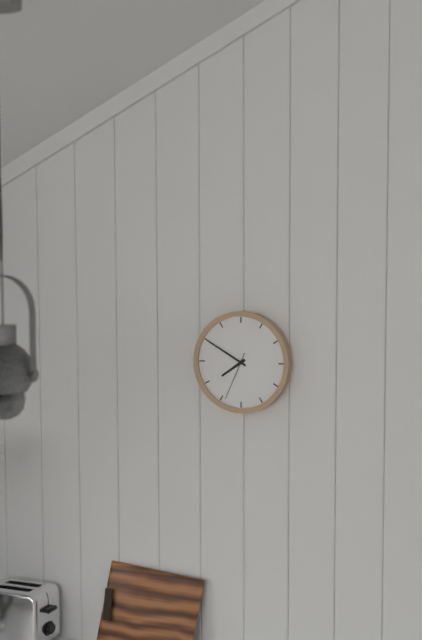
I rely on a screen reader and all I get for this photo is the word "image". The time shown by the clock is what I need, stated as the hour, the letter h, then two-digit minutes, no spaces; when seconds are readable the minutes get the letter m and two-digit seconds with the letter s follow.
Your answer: 7h50m34s
